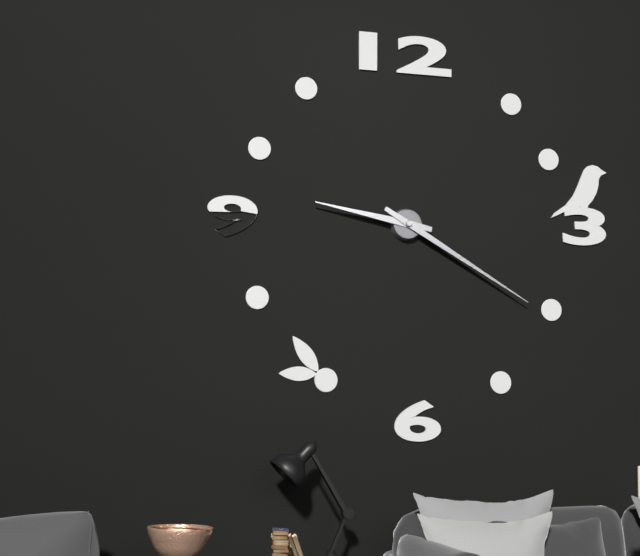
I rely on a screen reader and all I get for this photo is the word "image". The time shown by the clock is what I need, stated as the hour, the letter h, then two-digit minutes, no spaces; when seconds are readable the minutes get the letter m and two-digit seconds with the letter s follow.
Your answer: 9h20
